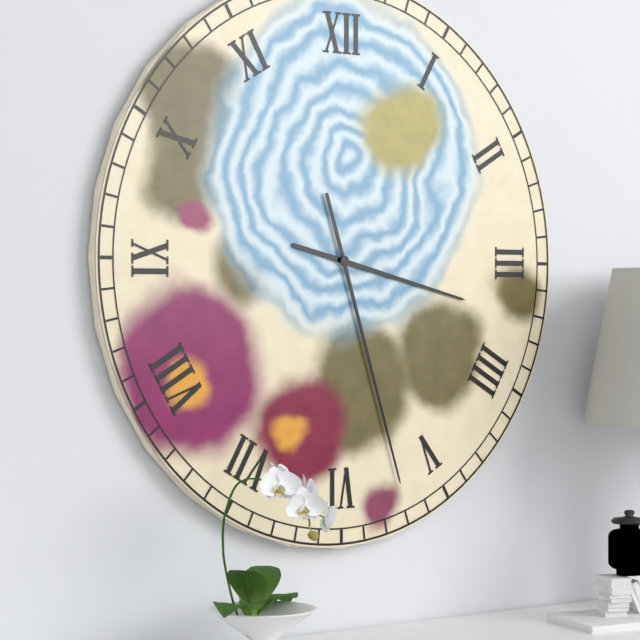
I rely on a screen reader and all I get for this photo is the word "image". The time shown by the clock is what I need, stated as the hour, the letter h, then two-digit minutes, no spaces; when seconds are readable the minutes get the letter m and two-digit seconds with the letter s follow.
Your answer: 3h27
